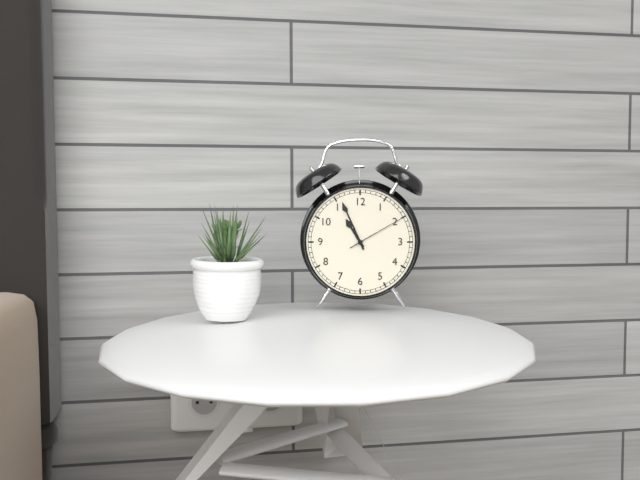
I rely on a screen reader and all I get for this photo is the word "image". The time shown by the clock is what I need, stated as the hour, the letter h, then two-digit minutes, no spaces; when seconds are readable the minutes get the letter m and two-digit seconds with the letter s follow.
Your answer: 10h56m10s
